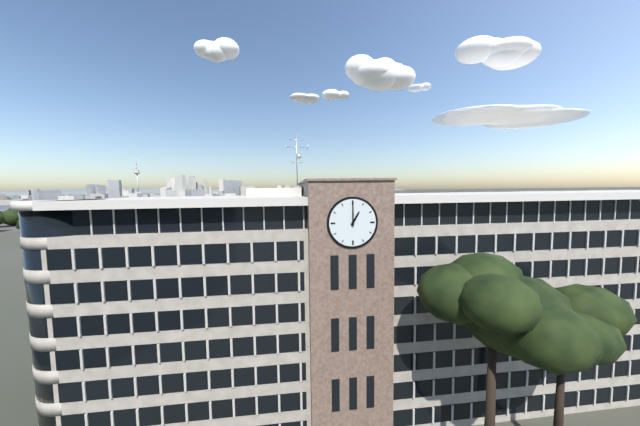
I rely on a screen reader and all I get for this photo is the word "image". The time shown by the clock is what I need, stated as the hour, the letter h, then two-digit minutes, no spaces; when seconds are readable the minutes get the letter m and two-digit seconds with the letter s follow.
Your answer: 1h00
